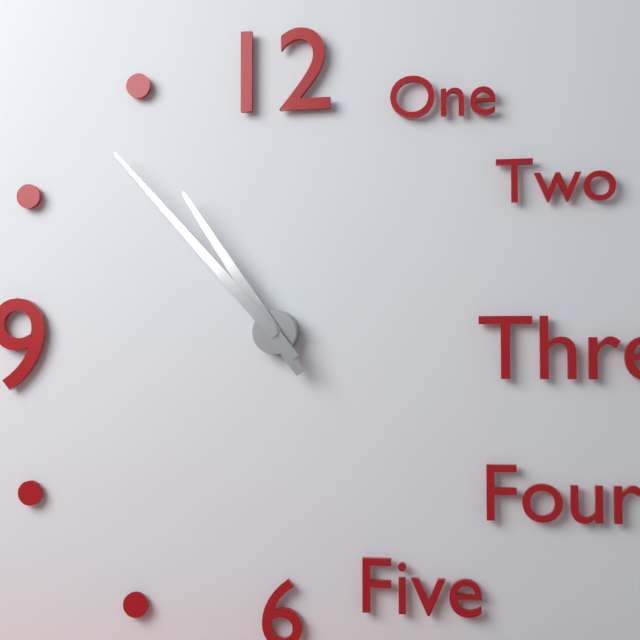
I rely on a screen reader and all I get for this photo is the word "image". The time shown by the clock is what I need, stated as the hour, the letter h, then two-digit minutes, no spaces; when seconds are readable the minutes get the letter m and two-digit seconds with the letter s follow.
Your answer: 10h53
